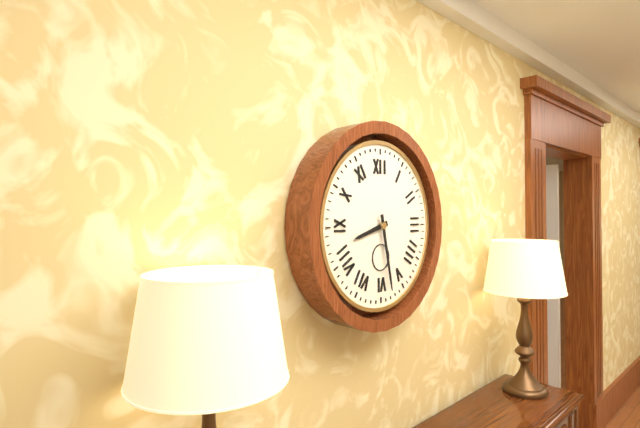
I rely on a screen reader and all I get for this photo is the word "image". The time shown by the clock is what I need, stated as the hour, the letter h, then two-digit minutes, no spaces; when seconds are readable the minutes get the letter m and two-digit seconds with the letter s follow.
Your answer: 8h28
